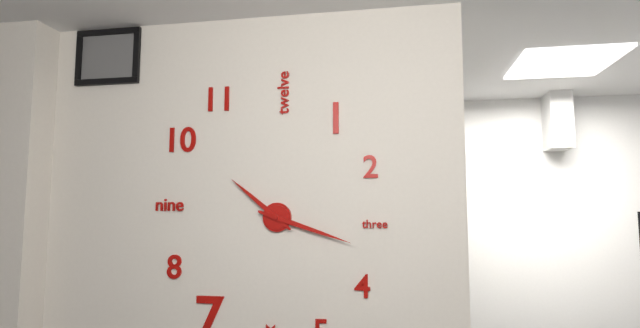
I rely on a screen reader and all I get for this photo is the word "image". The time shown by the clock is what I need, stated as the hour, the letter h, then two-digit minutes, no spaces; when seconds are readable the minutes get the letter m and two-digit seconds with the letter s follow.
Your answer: 10h18
